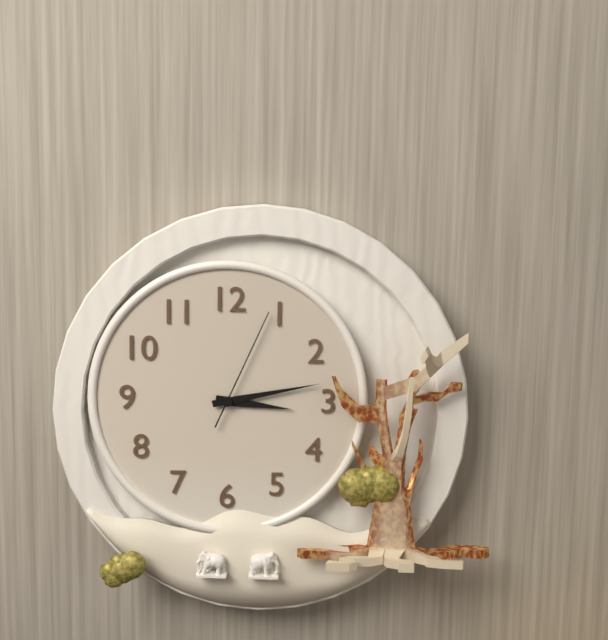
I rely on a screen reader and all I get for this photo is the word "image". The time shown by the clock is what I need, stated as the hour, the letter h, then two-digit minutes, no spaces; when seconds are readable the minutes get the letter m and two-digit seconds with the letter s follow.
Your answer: 3h13m04s
